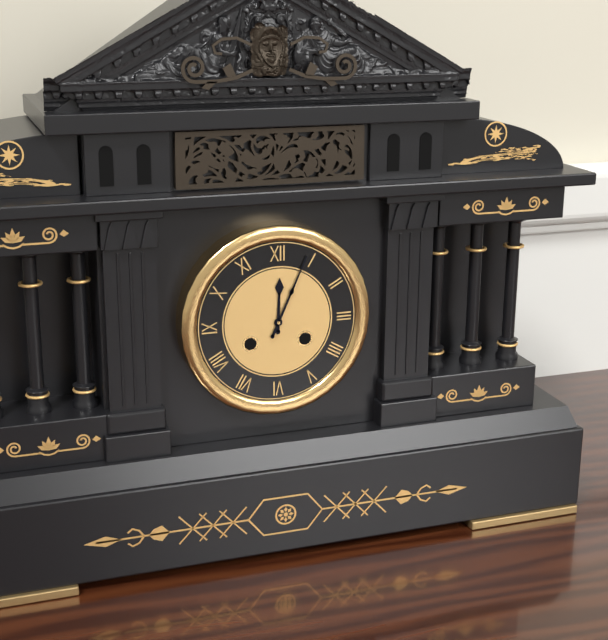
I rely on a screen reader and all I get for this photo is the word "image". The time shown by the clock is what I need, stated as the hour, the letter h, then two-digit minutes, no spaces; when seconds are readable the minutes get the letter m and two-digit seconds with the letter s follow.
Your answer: 12h04
